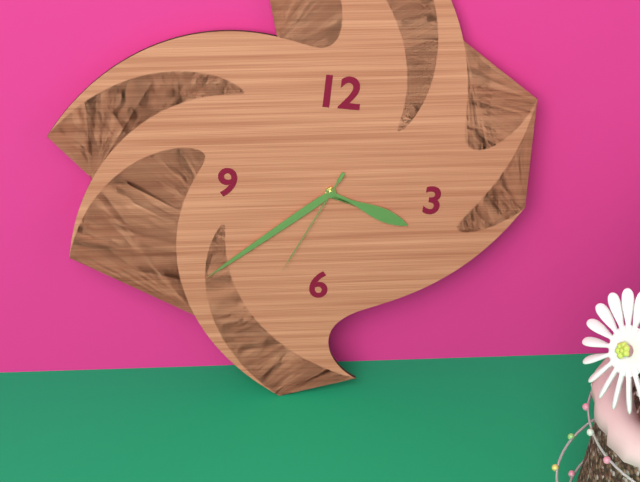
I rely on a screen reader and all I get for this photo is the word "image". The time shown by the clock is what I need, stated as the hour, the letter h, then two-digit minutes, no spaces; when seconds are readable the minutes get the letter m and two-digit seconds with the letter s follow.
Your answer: 3h38m34s
